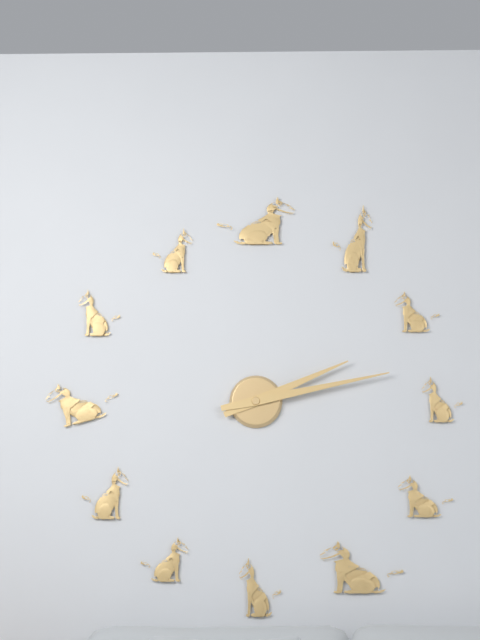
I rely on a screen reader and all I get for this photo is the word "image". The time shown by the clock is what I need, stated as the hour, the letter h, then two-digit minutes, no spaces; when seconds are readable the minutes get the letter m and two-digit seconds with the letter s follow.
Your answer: 2h13
